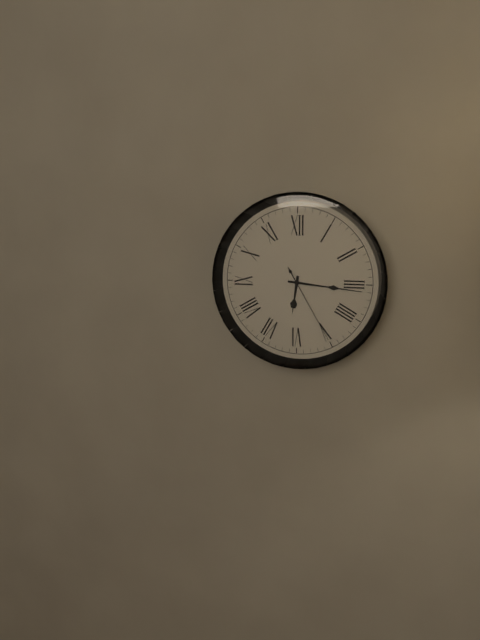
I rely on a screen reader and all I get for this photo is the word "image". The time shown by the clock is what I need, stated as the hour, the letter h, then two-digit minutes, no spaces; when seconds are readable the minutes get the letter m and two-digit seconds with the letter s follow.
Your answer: 6h16m25s
